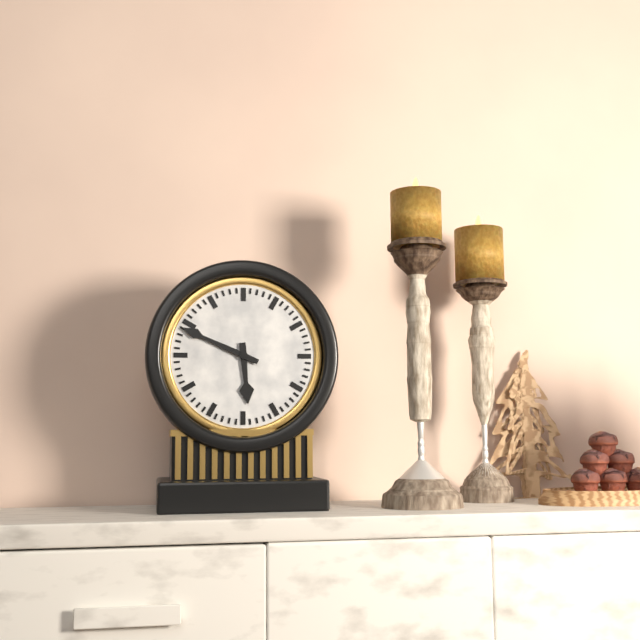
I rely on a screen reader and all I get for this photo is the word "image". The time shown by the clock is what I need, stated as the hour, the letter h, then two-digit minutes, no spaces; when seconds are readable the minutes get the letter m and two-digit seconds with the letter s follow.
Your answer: 5h49
